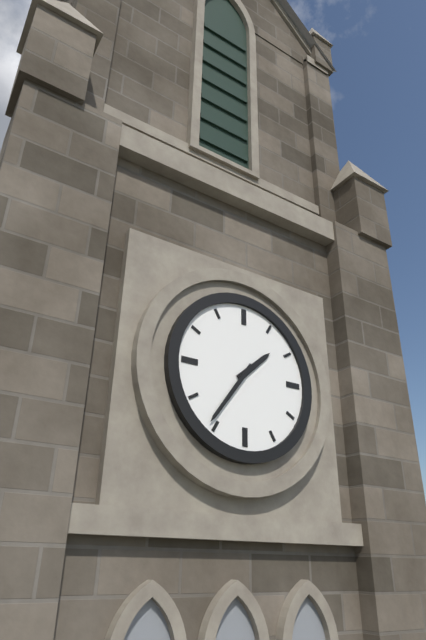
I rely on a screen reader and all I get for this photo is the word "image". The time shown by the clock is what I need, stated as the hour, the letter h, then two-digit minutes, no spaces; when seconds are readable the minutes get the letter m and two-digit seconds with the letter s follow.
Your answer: 1h36
